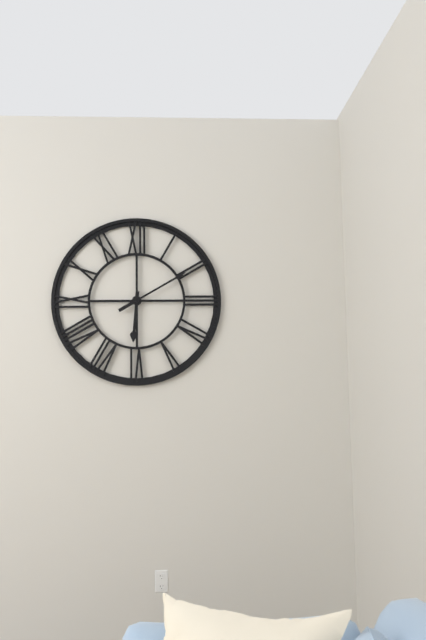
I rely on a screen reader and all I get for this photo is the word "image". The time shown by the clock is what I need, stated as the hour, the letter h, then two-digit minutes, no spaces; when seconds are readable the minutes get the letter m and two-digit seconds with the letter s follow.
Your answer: 6h10
